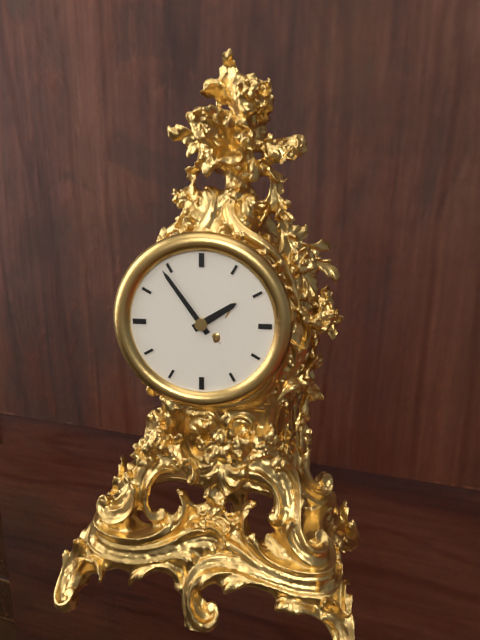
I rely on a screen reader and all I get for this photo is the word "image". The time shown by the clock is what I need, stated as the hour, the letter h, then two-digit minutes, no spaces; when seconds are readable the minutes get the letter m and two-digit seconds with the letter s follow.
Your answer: 1h54
